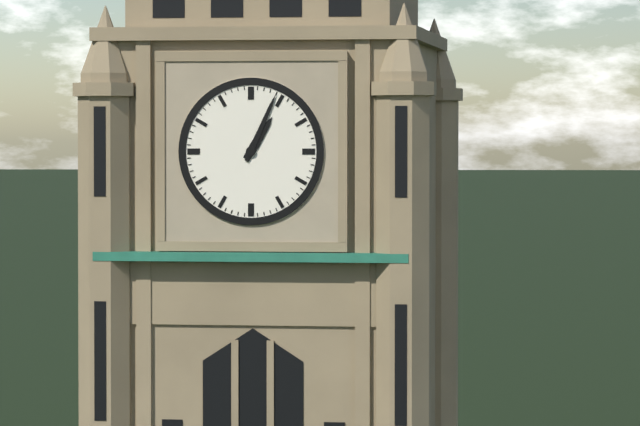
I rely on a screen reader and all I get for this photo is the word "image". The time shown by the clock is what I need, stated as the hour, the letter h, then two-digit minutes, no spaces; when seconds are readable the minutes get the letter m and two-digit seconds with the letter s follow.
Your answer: 1h04
